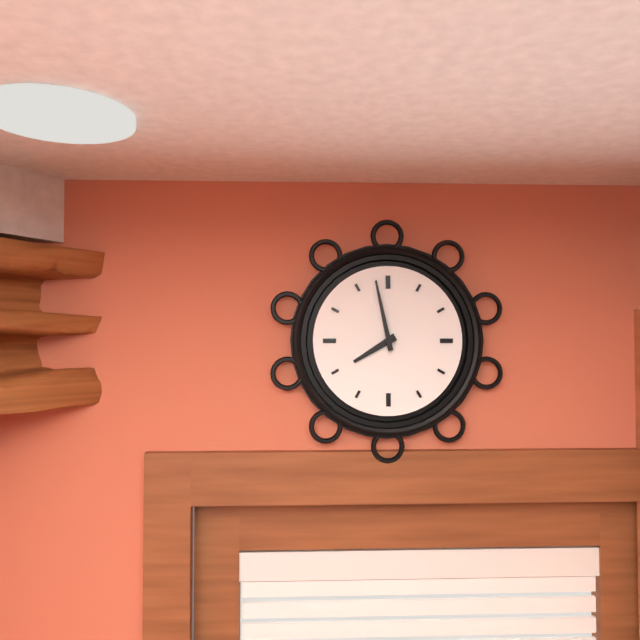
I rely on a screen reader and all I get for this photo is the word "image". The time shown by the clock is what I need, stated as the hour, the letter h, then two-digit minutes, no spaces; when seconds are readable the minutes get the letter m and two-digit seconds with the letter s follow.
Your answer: 7h58
